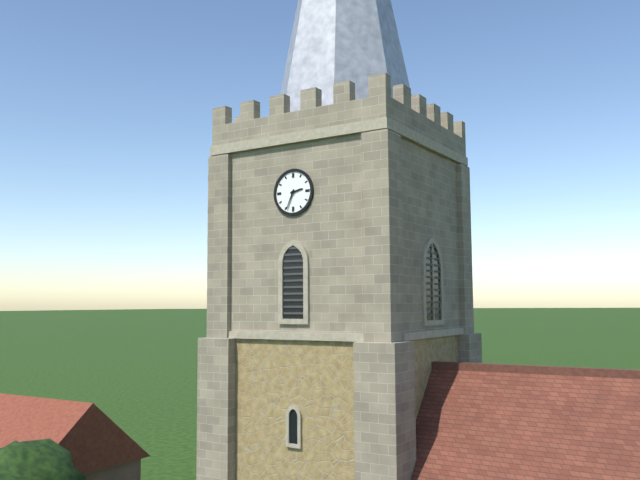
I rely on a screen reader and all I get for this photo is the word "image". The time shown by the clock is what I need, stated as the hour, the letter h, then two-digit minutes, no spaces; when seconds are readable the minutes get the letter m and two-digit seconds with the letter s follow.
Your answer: 2h34
